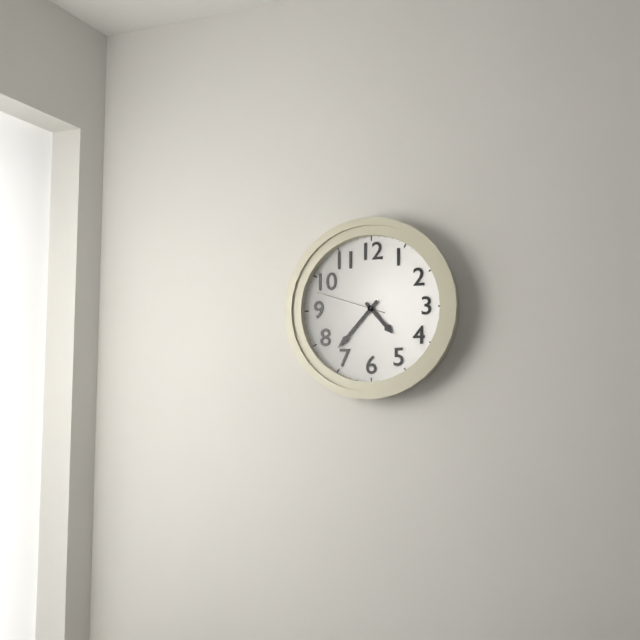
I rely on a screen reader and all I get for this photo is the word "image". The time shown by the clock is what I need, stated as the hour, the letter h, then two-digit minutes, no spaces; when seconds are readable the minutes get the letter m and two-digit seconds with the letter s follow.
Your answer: 4h37m48s
